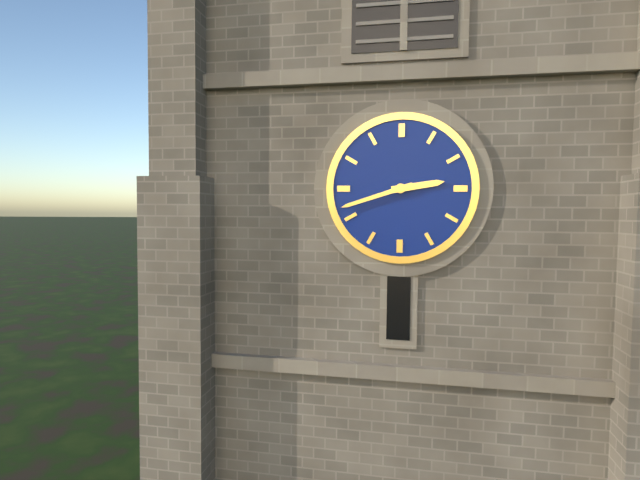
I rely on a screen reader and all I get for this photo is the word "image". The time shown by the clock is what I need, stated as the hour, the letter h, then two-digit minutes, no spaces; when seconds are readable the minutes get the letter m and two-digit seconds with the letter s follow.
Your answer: 2h42
